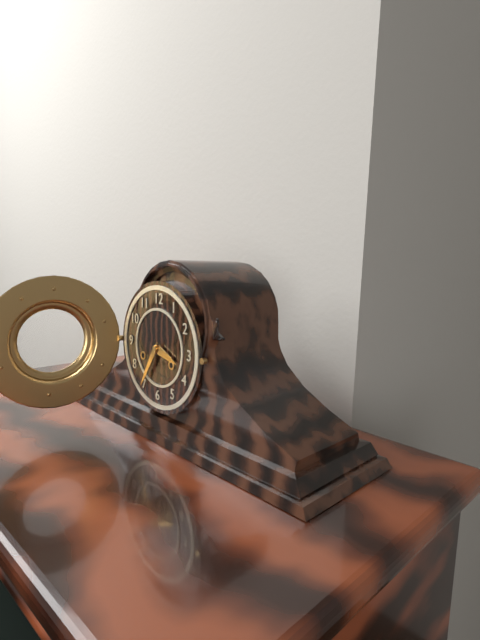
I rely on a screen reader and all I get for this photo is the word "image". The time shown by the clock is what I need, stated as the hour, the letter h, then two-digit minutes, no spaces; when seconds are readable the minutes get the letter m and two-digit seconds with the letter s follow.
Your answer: 3h35
